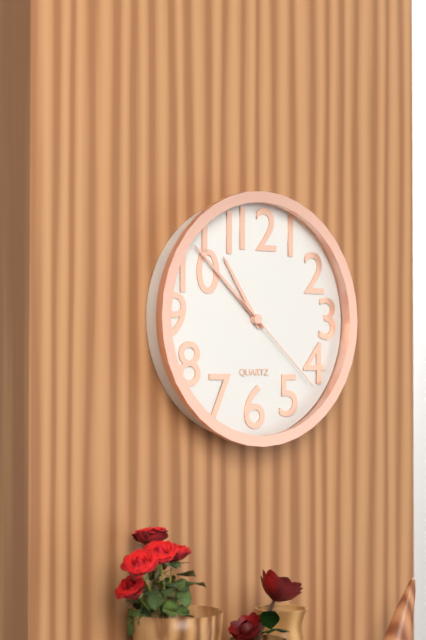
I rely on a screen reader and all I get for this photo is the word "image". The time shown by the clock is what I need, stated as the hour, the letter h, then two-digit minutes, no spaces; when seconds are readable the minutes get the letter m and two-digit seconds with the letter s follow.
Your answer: 10h52m22s
